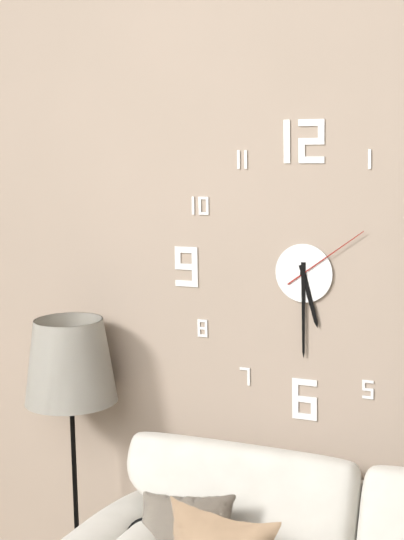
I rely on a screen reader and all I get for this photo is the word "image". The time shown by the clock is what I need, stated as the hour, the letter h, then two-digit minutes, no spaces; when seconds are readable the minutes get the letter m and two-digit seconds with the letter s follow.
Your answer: 5h30m09s
